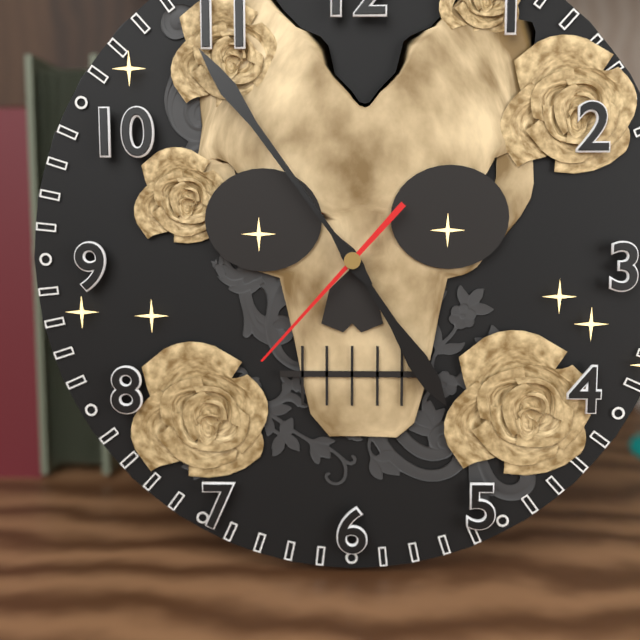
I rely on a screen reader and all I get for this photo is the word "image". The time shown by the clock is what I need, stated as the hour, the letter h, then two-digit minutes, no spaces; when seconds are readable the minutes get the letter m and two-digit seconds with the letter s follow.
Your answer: 4h54m37s
